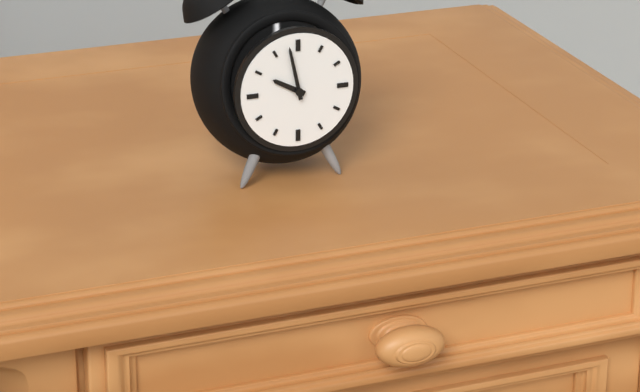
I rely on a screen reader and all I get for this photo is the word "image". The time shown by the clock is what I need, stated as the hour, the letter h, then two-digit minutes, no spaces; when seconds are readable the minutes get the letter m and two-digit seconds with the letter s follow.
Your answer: 9h58
